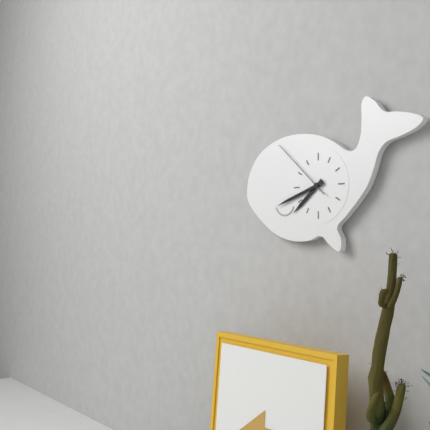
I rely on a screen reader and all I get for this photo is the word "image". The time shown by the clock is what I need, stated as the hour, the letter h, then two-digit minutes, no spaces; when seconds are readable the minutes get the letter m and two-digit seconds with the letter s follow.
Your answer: 7h42m52s
